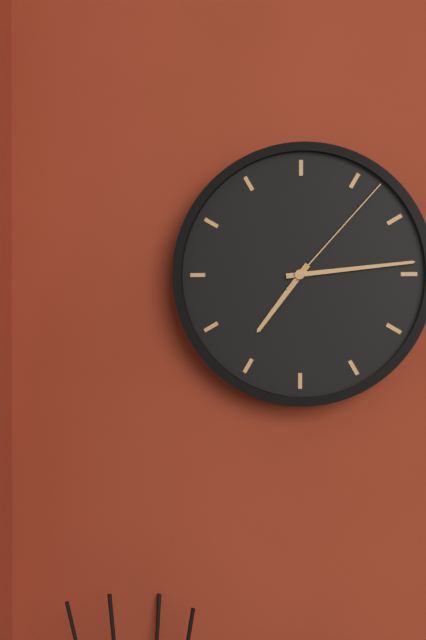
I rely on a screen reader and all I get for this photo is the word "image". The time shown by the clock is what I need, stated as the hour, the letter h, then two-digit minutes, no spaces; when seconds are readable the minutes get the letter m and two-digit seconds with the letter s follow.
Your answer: 7h14m07s
